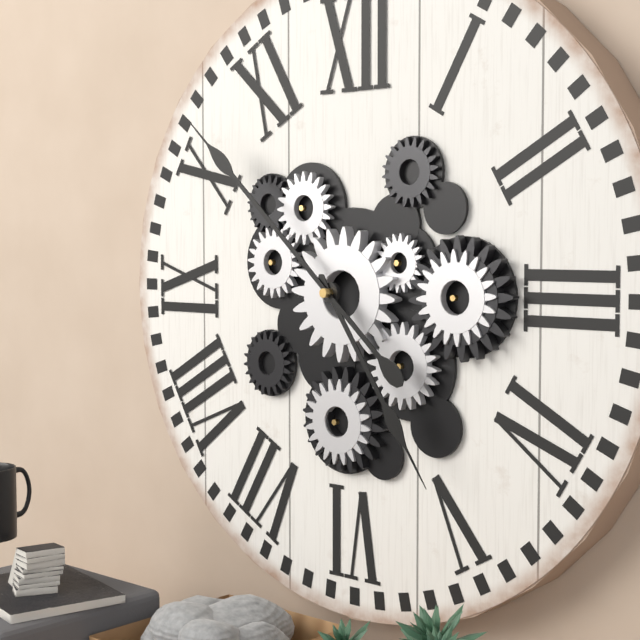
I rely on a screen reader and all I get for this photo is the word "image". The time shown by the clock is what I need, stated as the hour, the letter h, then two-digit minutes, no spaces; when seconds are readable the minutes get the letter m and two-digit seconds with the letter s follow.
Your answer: 4h52
